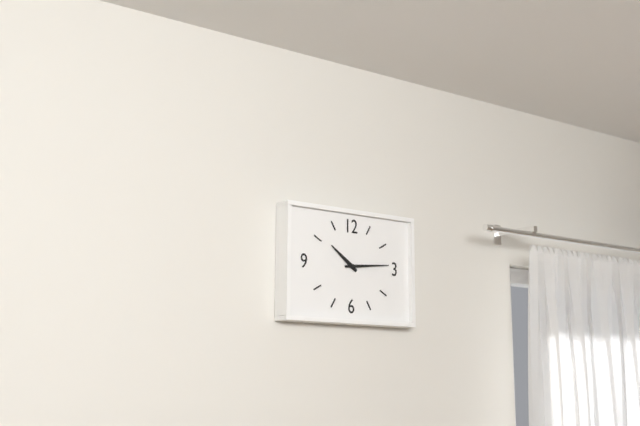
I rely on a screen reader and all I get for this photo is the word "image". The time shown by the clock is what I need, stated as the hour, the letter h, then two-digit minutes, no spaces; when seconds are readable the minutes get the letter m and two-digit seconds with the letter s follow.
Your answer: 10h14
